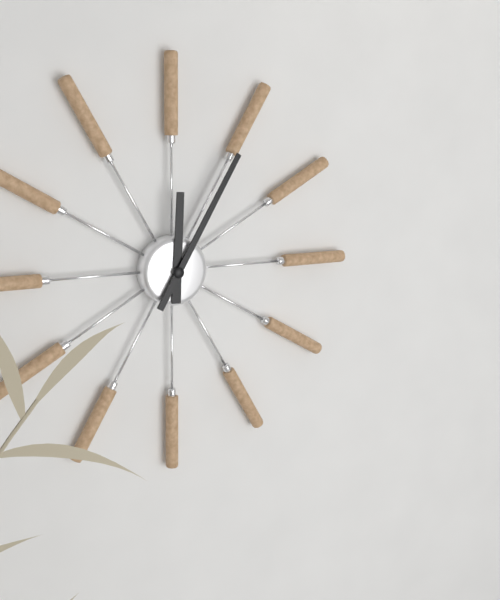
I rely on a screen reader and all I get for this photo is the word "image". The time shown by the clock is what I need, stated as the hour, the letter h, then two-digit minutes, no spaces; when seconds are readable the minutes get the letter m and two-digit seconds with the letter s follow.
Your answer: 12h05
